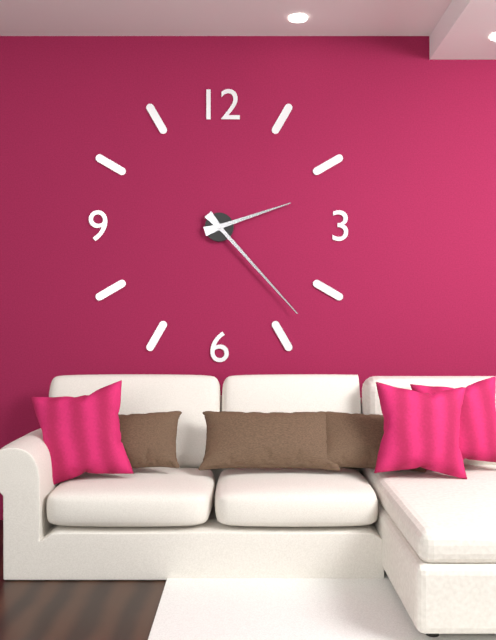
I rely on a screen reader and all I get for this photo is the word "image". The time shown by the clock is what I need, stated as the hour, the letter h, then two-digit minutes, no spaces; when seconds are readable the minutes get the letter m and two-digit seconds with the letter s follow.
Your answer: 2h23
